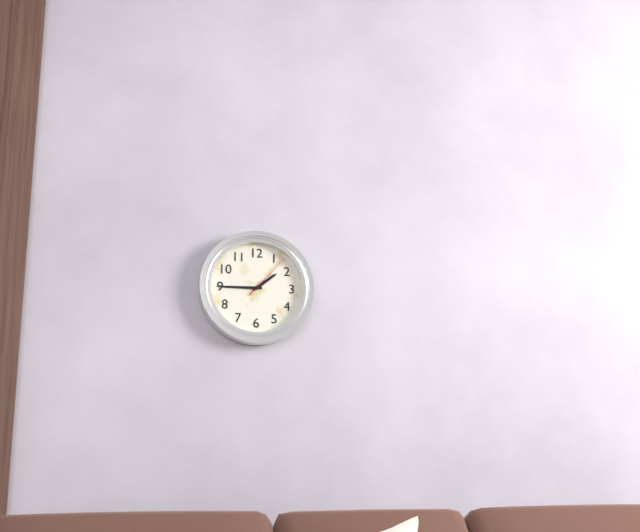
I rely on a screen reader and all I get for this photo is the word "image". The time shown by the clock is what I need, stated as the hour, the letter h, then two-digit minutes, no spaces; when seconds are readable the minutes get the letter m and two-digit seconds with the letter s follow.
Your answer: 1h45m07s
